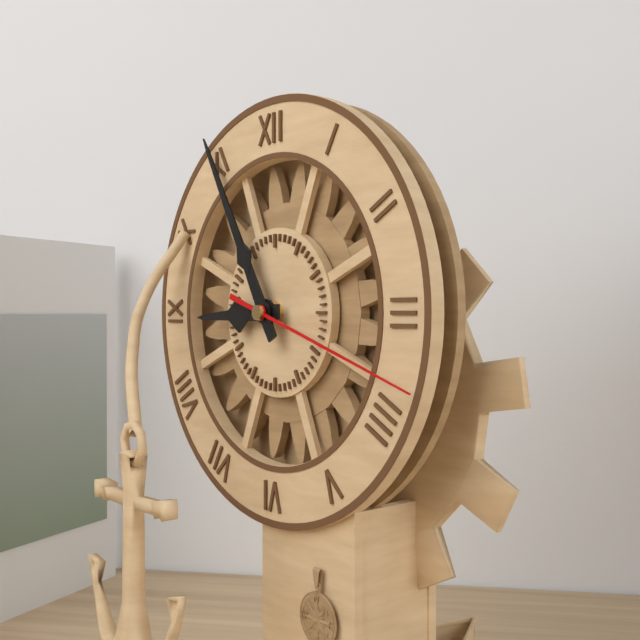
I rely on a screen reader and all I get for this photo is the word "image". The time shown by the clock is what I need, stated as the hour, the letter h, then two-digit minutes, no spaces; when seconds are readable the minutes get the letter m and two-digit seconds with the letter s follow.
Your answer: 8h55m18s
